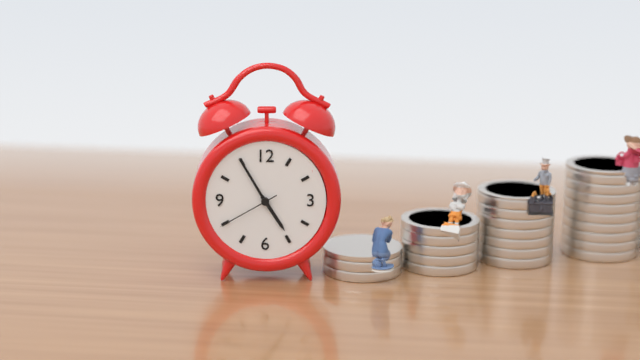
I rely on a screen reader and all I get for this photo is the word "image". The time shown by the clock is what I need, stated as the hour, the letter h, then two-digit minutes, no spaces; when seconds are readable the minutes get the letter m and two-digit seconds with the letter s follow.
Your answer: 4h55m40s
